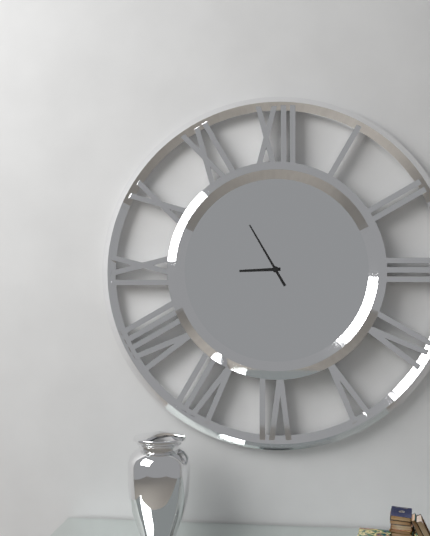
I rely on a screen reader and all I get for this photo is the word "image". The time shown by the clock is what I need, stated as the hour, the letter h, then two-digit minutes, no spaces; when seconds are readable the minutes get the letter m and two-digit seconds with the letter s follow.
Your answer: 8h55
